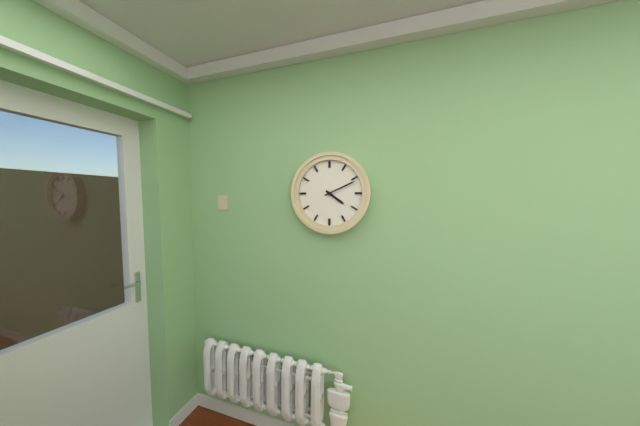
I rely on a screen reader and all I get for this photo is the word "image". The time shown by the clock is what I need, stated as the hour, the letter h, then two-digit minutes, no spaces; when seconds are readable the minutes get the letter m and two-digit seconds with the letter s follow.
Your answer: 4h11
